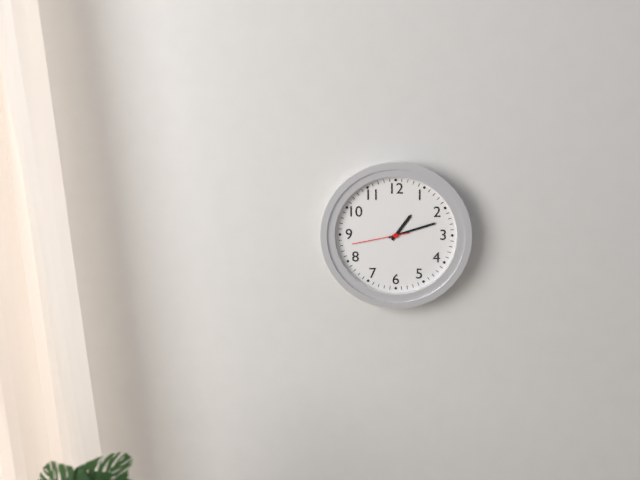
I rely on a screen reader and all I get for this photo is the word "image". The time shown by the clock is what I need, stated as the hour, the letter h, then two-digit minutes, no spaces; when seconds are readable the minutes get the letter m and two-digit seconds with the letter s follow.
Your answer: 1h12m43s
